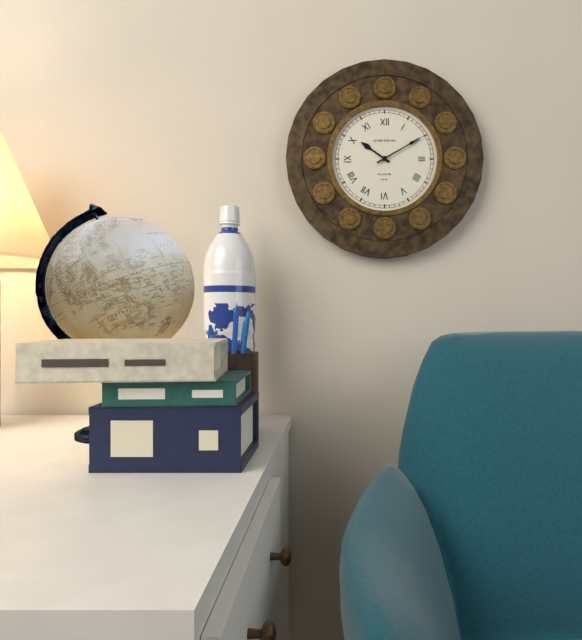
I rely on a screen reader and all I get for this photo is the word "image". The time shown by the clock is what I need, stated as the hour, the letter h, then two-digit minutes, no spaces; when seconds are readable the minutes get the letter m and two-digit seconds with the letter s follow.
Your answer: 10h10
